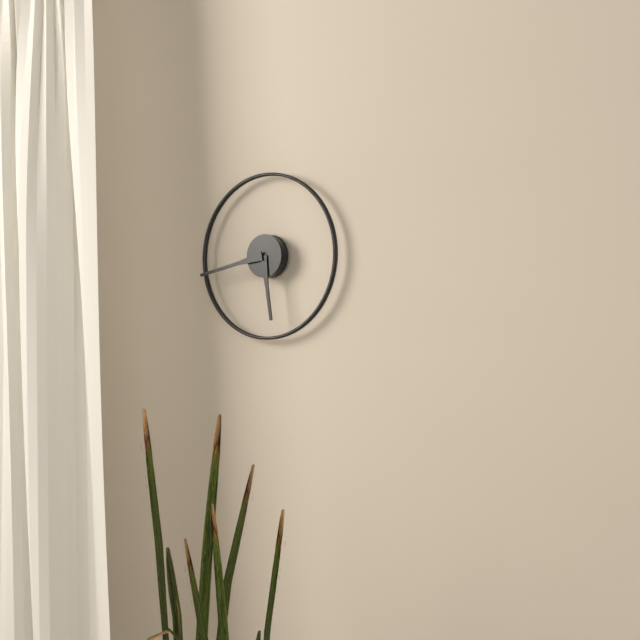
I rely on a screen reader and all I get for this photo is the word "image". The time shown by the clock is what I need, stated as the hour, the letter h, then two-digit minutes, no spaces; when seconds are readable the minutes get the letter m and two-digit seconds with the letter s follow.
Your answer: 5h43
